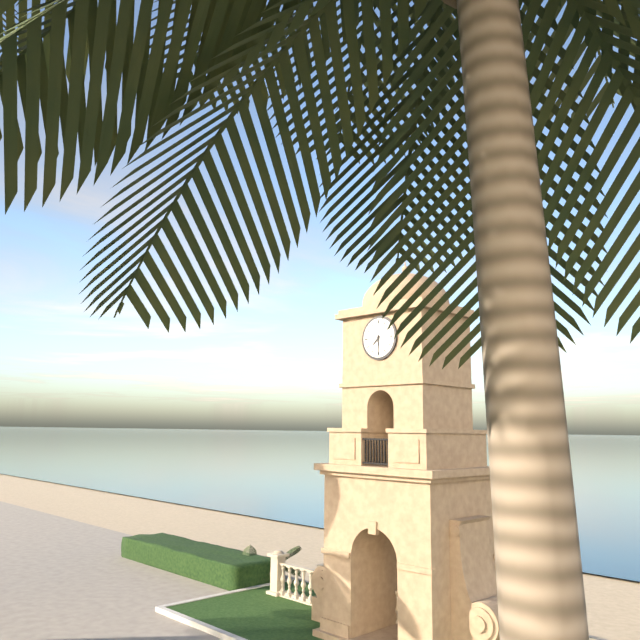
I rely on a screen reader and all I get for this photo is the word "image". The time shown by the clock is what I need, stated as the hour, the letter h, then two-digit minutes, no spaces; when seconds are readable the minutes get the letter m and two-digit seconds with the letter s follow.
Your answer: 7h30
